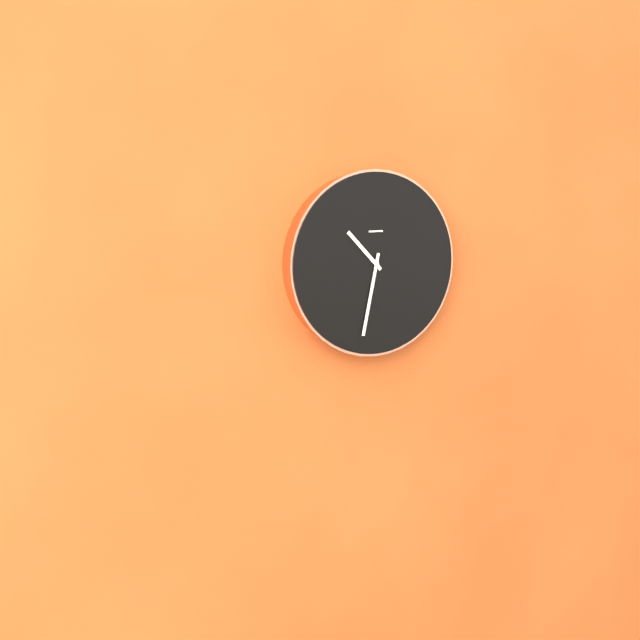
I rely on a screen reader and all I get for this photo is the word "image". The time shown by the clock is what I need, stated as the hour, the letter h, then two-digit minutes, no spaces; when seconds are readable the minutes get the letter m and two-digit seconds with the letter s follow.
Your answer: 10h32
